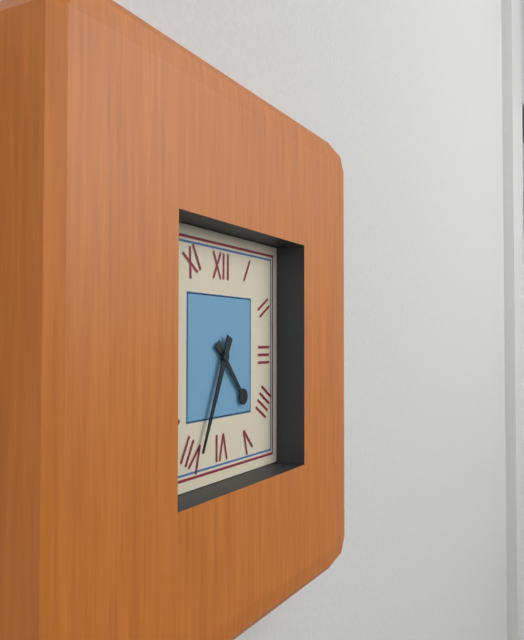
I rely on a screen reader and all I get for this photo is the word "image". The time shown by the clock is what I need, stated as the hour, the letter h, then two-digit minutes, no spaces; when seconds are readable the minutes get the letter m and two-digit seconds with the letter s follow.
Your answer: 4h34
